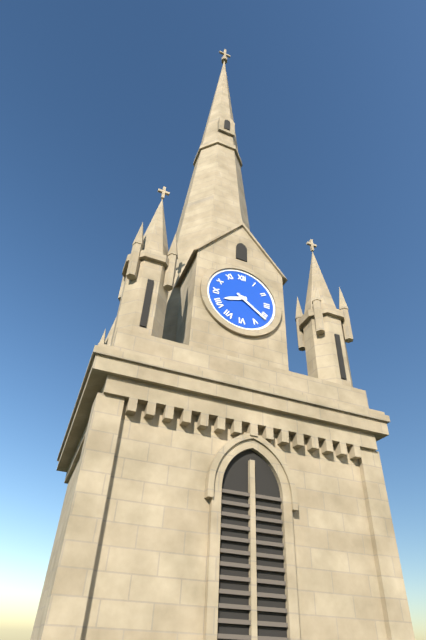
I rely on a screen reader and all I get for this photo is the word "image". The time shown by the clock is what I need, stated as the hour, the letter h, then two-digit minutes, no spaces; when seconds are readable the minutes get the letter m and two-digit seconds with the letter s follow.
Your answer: 8h21
